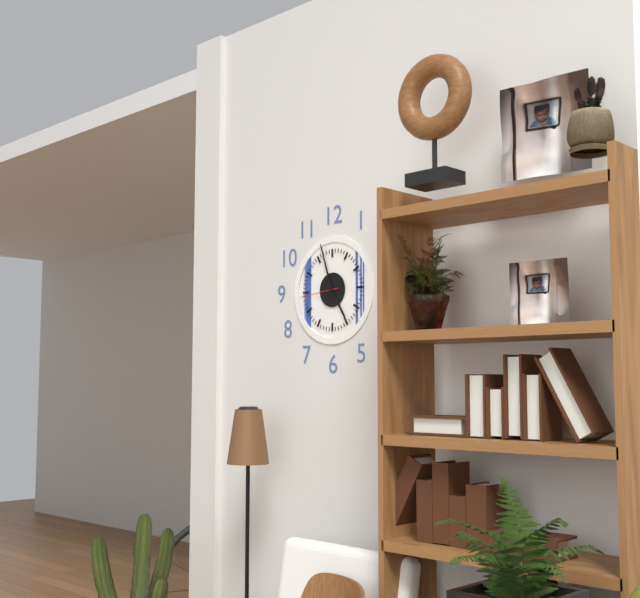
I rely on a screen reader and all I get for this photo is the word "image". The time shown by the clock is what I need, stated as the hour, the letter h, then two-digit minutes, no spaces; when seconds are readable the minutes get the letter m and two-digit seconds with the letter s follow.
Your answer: 4h57
